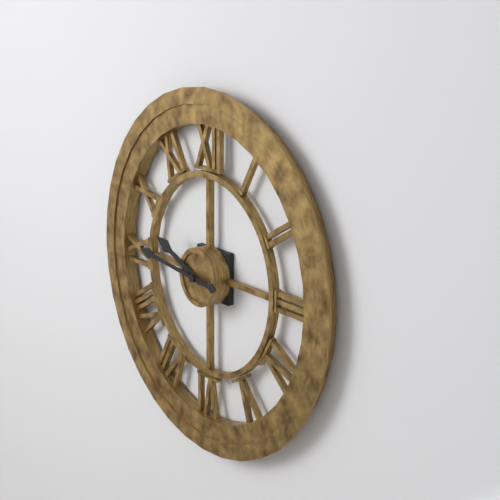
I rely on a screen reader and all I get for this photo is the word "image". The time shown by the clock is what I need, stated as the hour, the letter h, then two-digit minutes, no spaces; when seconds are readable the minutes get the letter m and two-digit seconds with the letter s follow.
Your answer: 9h46
